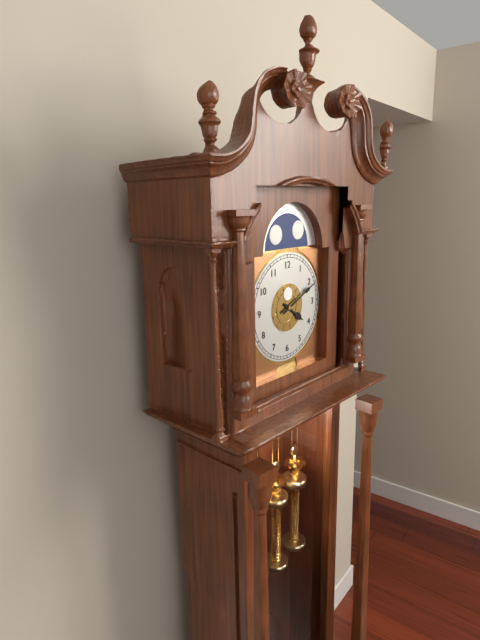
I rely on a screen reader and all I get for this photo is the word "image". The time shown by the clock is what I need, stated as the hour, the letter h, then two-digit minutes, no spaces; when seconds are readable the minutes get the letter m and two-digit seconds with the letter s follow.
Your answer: 4h11
